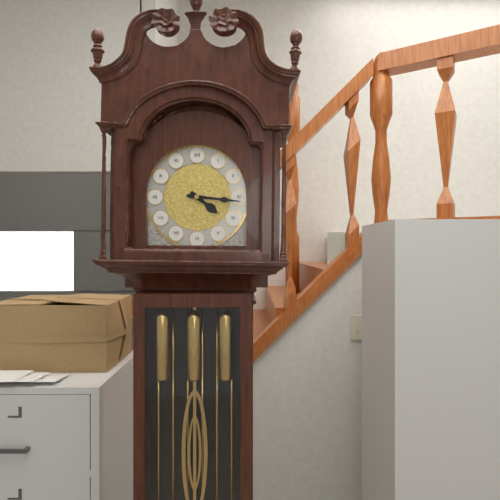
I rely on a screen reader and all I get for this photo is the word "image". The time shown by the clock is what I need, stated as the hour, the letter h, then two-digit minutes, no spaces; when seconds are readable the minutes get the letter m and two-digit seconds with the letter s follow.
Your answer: 4h16
